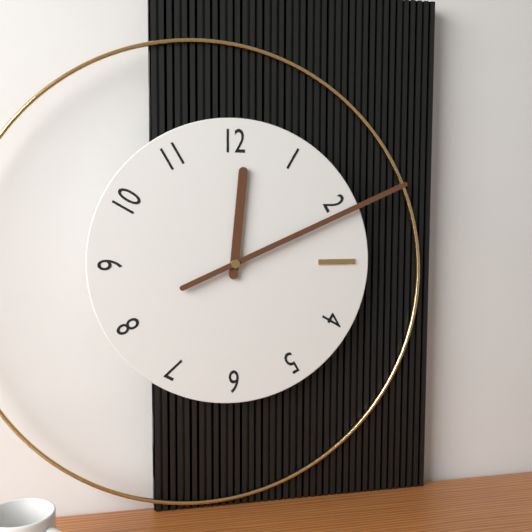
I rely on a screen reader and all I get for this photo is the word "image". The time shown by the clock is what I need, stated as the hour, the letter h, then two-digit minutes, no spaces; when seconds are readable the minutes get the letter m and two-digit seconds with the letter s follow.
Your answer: 12h11
